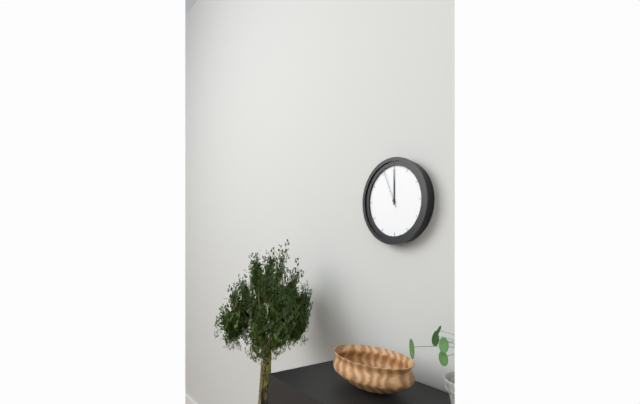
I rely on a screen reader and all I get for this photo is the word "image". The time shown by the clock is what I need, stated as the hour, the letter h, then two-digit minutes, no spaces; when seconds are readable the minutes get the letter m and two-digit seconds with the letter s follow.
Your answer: 12h00
